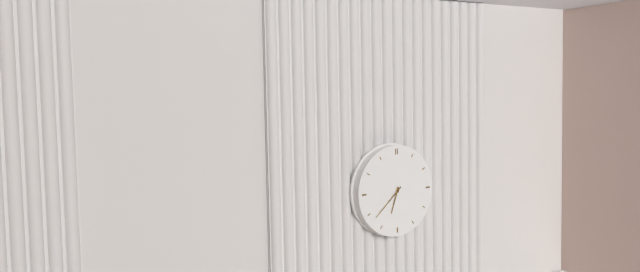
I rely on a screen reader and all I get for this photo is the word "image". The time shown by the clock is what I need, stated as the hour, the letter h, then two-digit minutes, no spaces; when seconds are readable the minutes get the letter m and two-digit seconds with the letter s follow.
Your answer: 6h38
